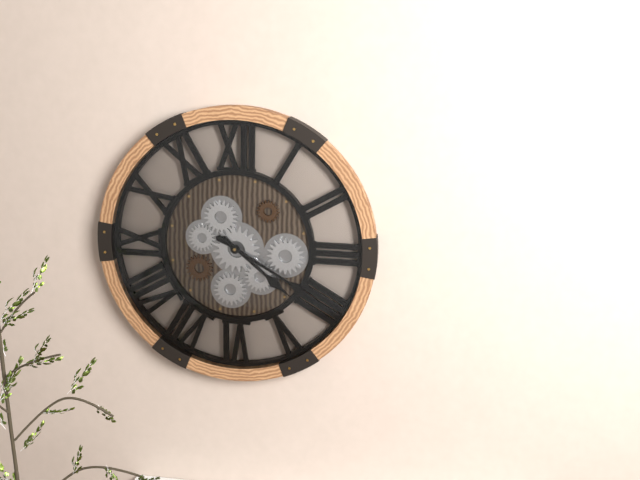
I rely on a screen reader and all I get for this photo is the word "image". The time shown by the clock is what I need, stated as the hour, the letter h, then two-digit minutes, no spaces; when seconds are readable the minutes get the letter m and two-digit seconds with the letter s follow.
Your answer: 4h20
